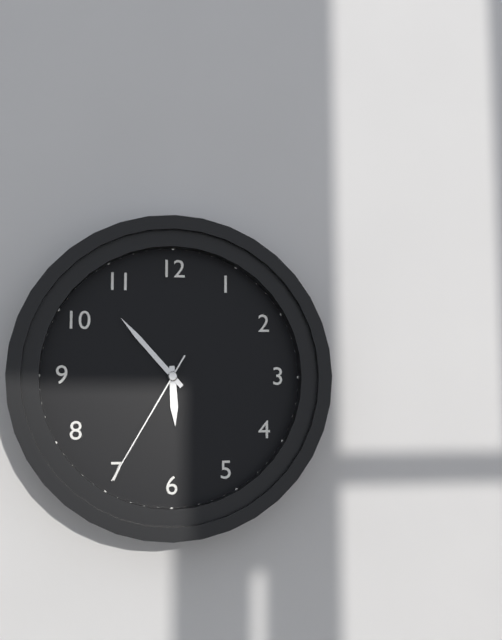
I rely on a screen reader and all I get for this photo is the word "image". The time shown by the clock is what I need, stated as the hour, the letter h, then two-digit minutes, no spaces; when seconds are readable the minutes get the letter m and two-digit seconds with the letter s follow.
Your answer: 5h53m35s
